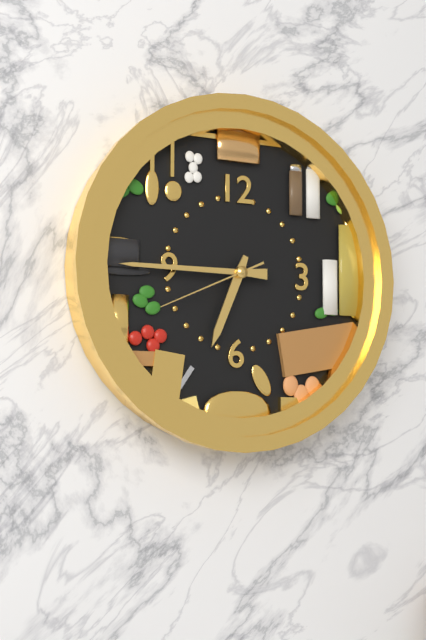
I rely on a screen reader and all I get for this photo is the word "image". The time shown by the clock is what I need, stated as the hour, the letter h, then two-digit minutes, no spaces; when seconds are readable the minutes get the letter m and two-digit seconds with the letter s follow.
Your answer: 6h45m41s
